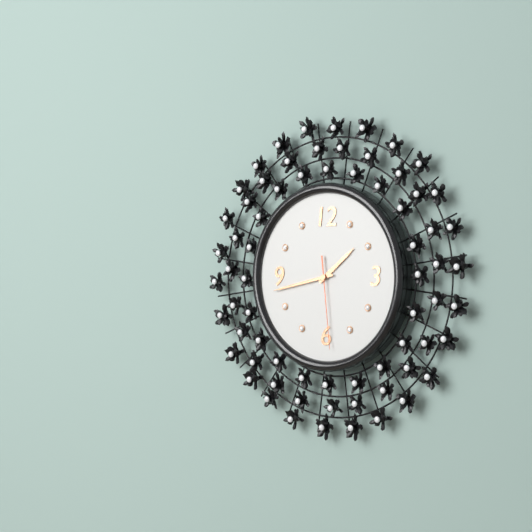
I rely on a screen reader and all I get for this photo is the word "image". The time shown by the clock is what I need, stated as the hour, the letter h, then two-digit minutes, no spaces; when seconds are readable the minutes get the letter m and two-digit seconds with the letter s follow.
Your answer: 1h43m29s
